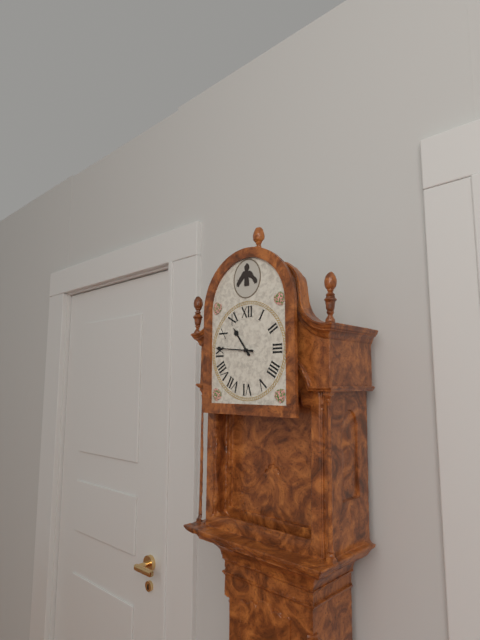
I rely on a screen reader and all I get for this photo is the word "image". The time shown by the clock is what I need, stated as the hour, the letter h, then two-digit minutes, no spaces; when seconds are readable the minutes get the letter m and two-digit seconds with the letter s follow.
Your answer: 10h46
